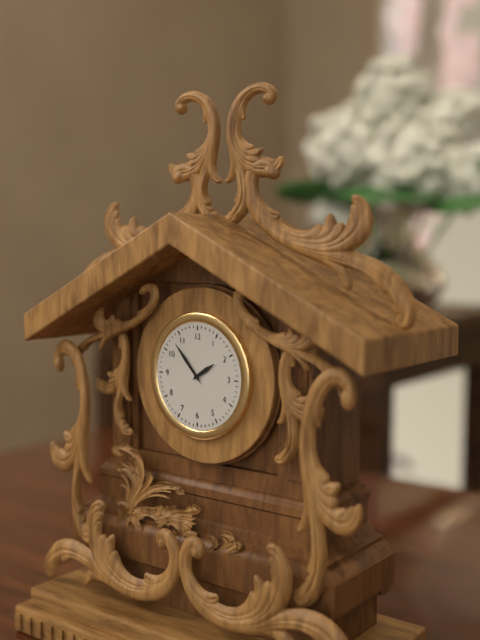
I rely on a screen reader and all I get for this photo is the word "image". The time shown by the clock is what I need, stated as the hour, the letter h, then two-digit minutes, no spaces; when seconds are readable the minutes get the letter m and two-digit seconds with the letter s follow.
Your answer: 1h53
